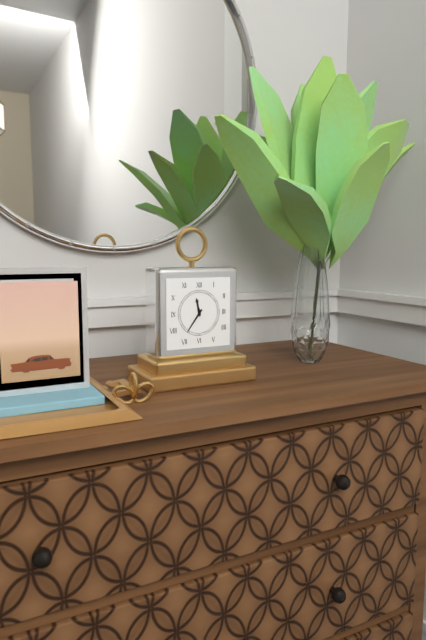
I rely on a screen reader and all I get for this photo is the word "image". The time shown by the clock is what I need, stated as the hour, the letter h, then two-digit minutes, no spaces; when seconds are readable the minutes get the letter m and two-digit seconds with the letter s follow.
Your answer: 11h36
